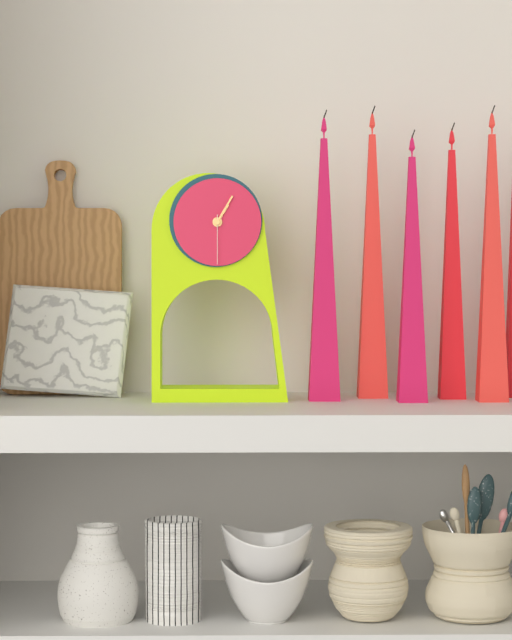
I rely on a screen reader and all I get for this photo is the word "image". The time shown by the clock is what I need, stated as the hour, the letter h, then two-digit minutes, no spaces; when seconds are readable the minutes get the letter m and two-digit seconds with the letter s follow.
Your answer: 1h05m30s
